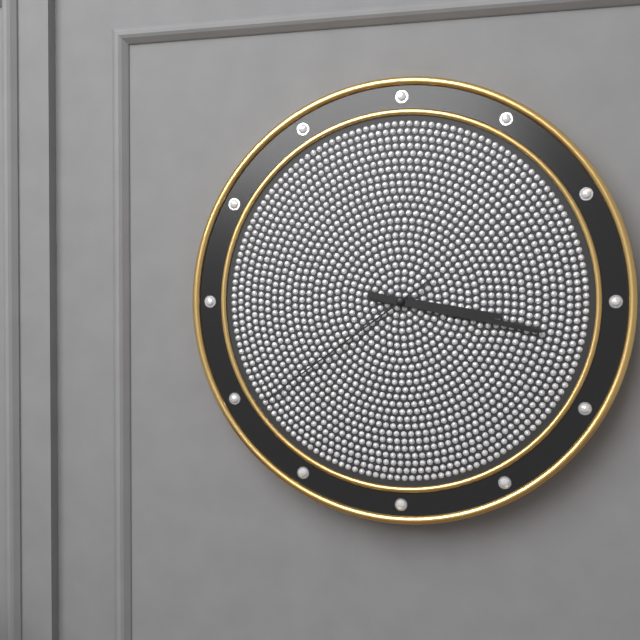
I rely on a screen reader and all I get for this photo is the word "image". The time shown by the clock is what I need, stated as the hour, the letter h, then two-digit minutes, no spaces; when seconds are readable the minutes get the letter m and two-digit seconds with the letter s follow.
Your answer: 3h17m39s
